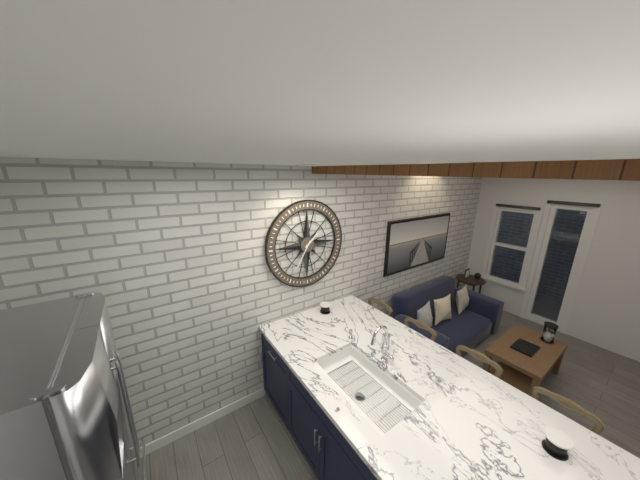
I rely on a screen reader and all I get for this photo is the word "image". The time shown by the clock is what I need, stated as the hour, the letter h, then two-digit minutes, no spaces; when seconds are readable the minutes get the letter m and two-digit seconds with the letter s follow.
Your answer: 1h35
